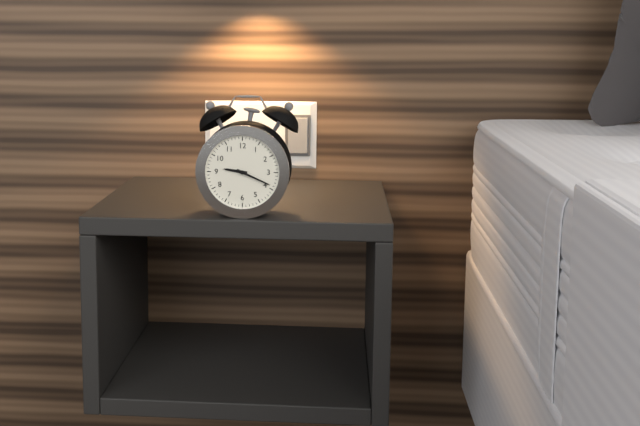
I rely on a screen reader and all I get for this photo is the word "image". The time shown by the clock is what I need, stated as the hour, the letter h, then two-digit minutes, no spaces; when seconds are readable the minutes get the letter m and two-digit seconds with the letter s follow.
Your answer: 9h19
